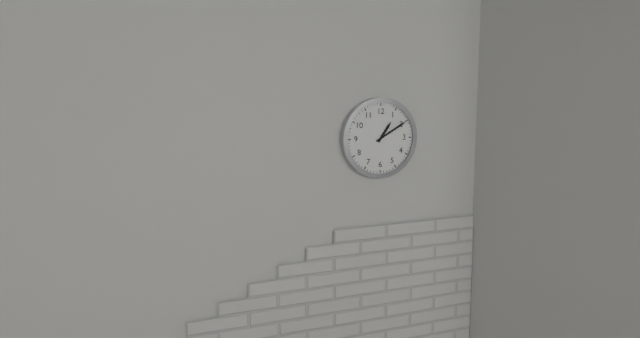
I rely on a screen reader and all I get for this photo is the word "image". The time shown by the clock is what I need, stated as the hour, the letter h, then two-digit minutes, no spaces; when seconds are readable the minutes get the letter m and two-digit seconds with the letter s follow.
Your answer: 1h10
